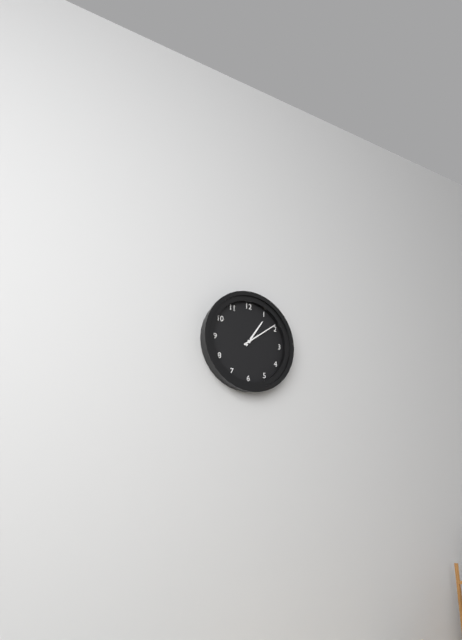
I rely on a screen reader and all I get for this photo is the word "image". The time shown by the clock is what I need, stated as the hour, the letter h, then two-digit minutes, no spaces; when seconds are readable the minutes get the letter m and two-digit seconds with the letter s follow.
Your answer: 1h09
